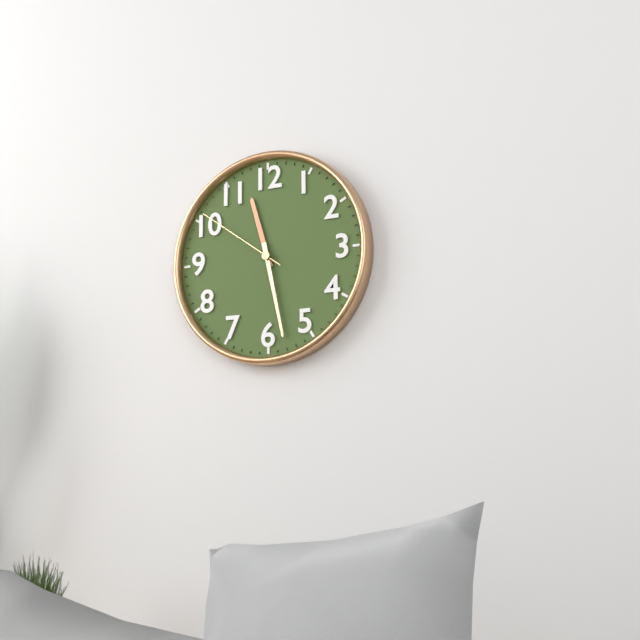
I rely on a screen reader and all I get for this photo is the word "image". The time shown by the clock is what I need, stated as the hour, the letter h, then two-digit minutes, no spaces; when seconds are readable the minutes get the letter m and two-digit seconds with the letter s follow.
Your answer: 11h28m51s
